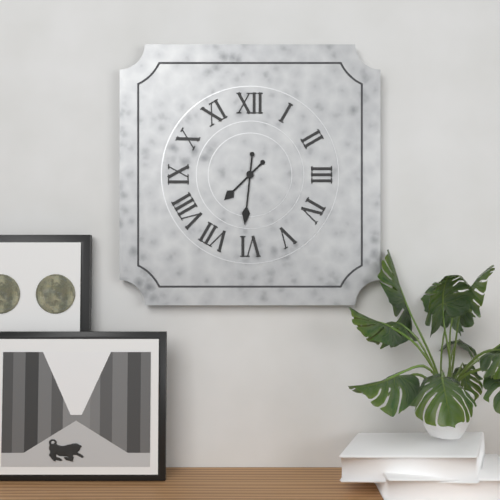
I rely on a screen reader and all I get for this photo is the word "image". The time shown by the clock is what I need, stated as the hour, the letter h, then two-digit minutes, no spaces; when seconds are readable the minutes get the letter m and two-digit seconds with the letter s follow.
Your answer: 7h31
